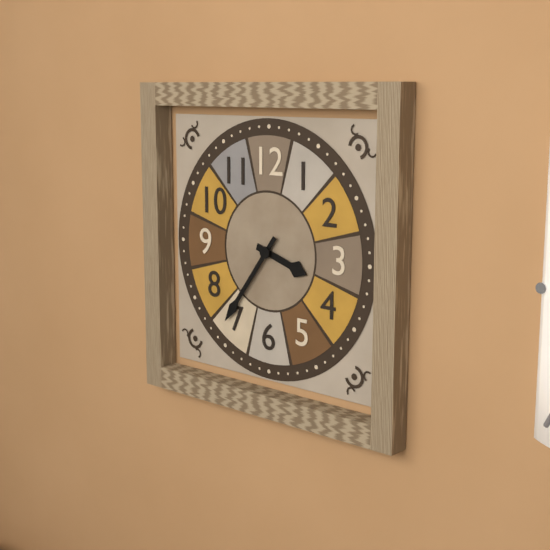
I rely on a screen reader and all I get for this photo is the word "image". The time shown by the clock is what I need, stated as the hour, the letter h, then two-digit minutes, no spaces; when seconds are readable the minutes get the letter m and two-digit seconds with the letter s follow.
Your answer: 3h36
